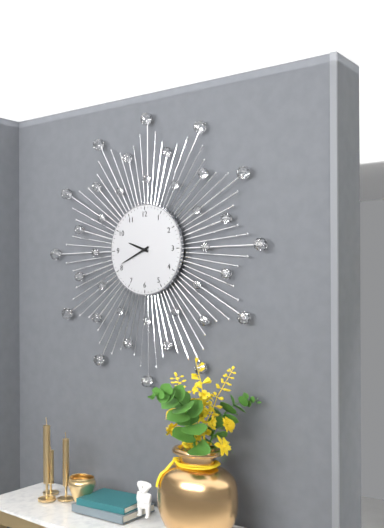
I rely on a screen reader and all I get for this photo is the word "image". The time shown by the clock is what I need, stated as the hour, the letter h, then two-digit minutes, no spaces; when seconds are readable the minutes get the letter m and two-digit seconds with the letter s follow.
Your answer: 9h41
